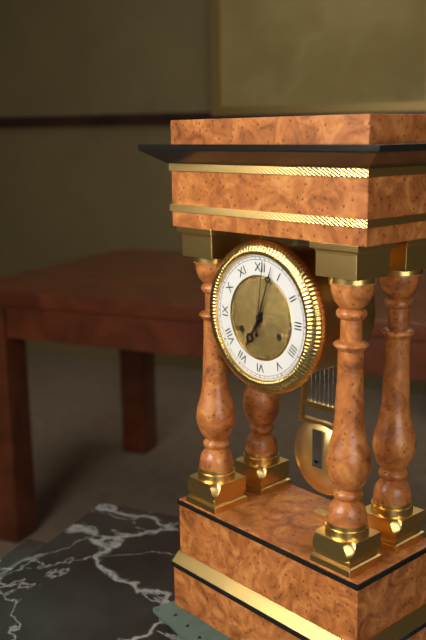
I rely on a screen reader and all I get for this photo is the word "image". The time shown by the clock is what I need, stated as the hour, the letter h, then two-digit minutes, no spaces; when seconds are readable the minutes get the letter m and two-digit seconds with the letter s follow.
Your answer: 7h03m01s
